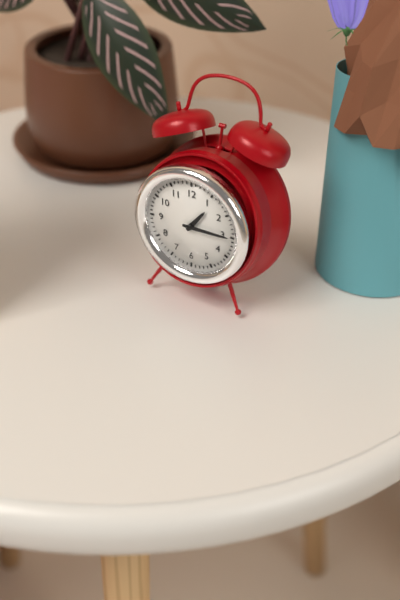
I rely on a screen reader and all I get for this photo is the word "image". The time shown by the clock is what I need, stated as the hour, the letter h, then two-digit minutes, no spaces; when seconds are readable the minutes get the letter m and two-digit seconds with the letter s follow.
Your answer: 1h15
